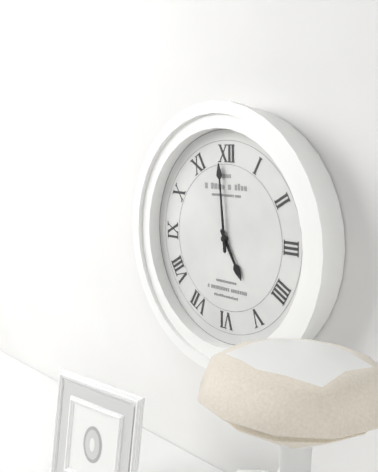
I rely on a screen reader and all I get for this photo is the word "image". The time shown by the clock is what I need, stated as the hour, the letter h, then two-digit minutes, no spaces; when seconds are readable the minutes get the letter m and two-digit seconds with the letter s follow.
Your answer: 4h59
